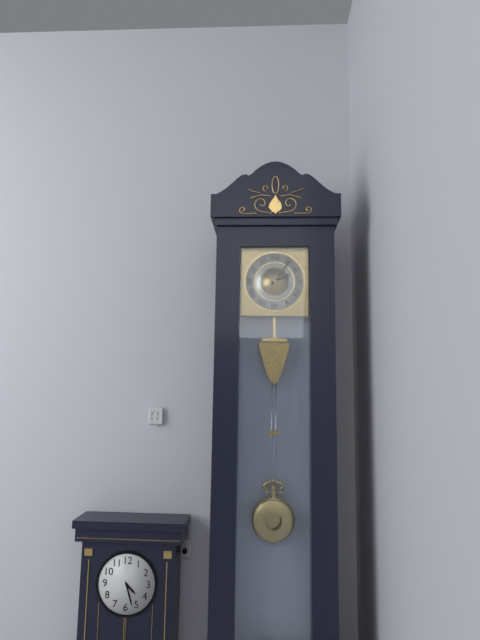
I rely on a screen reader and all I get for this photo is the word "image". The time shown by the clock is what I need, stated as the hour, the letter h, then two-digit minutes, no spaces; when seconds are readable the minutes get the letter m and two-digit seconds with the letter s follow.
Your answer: 2h06
